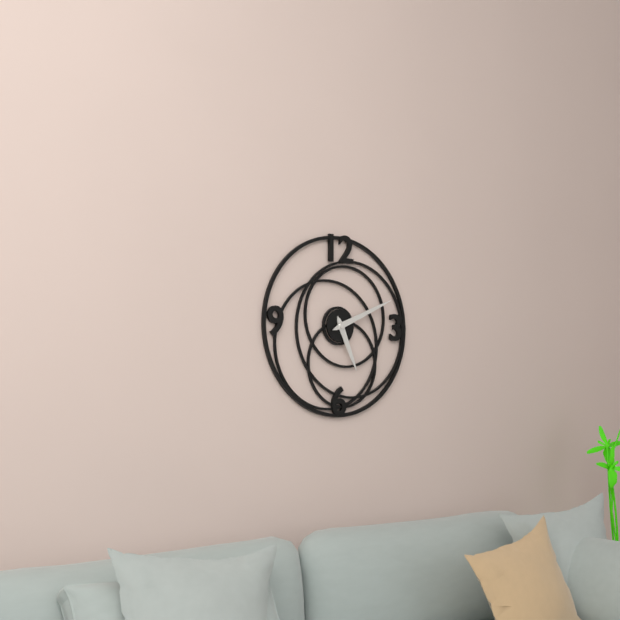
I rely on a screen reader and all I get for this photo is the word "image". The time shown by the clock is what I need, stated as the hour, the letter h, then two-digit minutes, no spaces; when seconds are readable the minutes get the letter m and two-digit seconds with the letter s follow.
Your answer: 5h11
